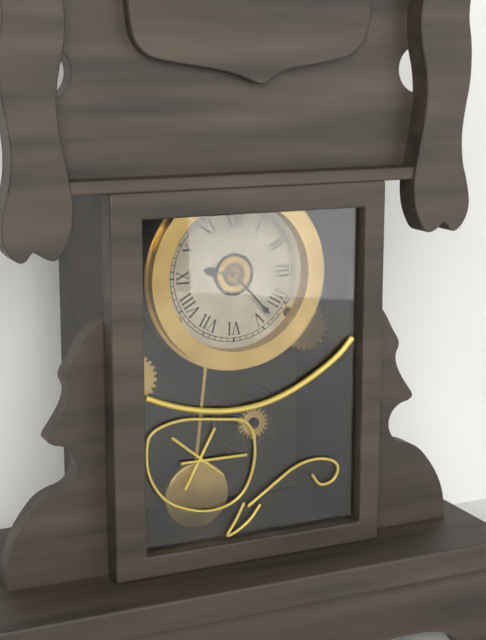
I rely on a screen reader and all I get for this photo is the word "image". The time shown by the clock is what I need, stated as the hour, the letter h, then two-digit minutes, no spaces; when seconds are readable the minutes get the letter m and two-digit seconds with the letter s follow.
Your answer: 9h23
